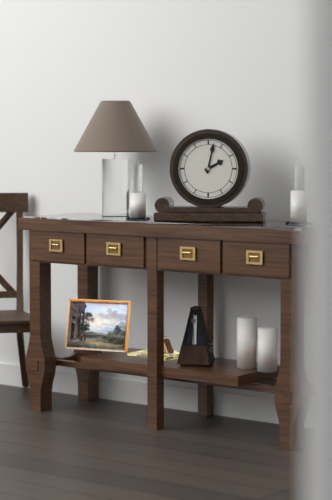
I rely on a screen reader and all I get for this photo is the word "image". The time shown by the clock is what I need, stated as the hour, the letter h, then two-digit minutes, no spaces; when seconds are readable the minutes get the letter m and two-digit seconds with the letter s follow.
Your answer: 2h02
